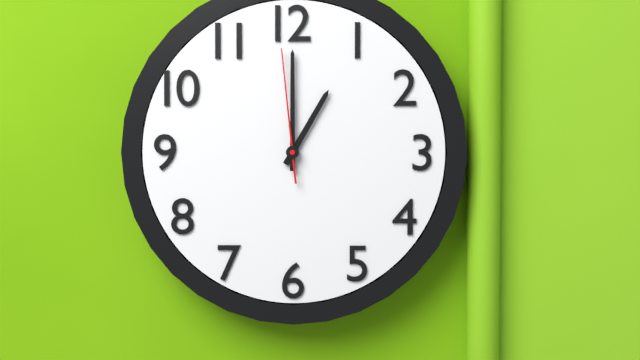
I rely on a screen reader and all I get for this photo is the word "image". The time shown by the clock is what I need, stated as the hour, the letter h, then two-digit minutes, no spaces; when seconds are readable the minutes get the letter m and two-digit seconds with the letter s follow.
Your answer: 1h00m59s
